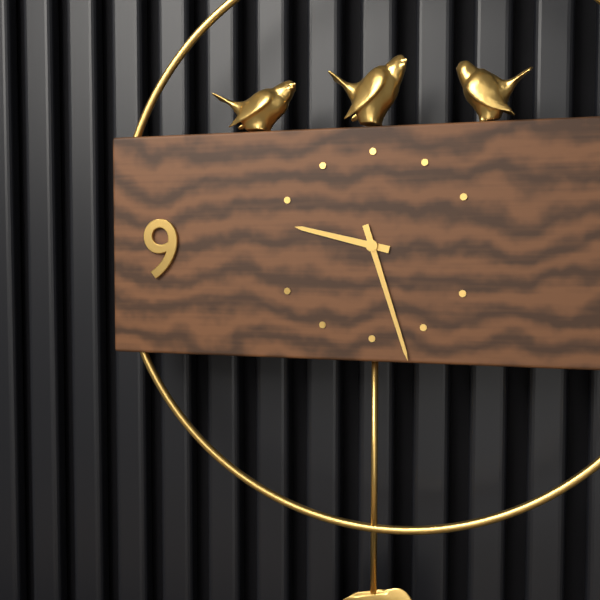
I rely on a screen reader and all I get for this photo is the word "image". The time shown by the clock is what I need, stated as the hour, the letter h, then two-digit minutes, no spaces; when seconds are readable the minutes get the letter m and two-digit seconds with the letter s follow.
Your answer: 9h27
